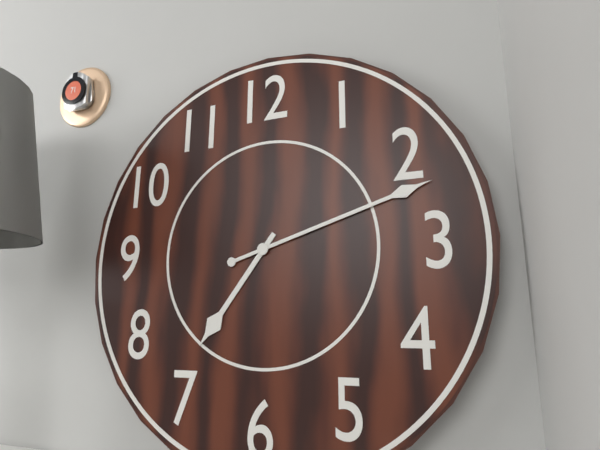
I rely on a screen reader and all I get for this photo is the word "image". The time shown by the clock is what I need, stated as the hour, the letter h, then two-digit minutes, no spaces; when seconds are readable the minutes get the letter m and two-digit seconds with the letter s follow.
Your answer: 7h12
